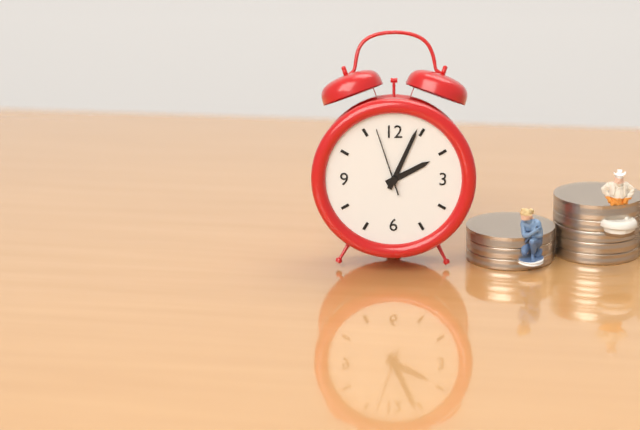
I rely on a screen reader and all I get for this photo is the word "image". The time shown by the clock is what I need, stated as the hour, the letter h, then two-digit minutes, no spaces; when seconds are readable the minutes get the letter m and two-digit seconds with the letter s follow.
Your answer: 2h04m57s
